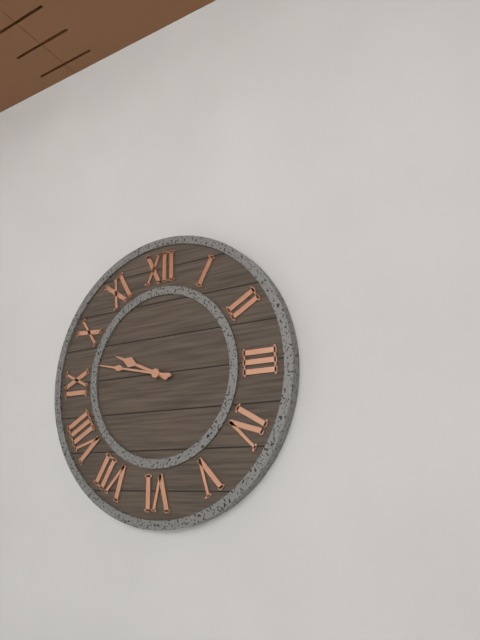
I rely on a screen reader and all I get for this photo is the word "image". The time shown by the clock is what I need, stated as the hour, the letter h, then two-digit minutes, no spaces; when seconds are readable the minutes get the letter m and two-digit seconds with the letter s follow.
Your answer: 9h47
